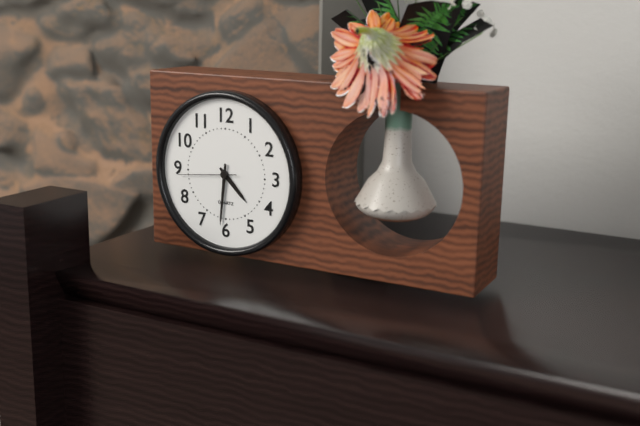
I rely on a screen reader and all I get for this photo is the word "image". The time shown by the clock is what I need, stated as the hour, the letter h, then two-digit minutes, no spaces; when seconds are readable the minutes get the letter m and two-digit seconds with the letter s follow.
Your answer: 4h31m44s
